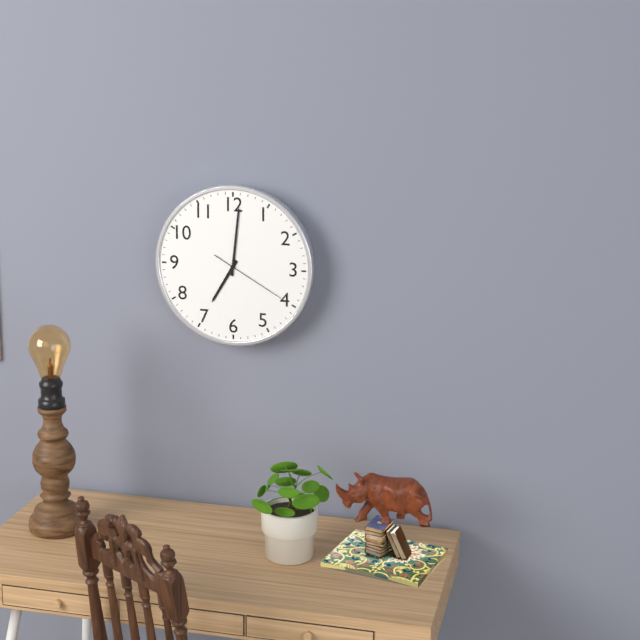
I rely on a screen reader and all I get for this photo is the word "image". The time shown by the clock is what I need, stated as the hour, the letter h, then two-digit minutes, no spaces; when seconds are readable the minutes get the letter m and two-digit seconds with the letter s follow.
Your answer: 7h01m20s
